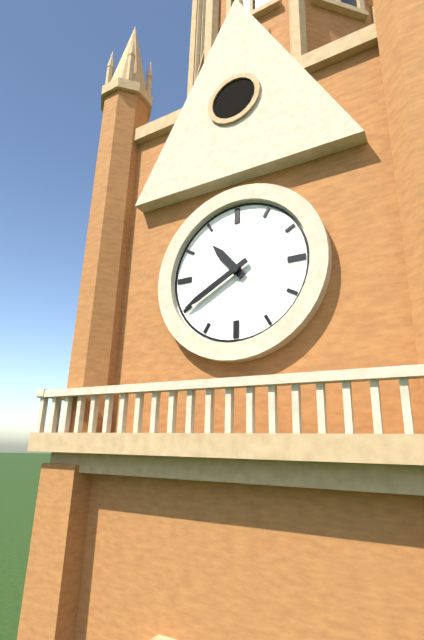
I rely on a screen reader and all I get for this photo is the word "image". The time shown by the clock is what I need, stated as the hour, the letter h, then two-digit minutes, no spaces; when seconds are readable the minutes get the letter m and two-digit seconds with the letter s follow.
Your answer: 10h40
